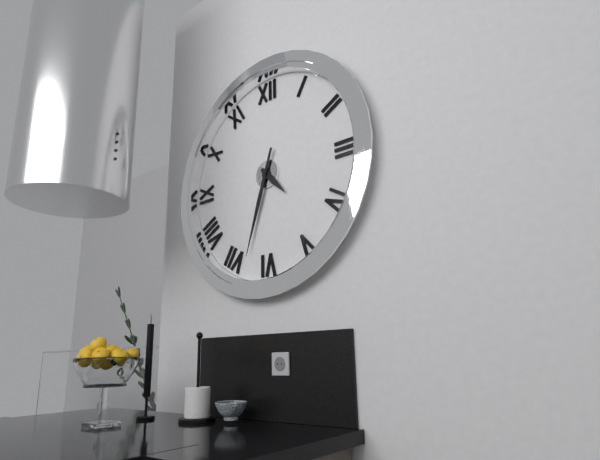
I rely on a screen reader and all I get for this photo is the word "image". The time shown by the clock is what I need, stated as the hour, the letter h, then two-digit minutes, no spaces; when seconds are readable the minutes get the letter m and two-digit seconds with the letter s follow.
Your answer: 4h33
